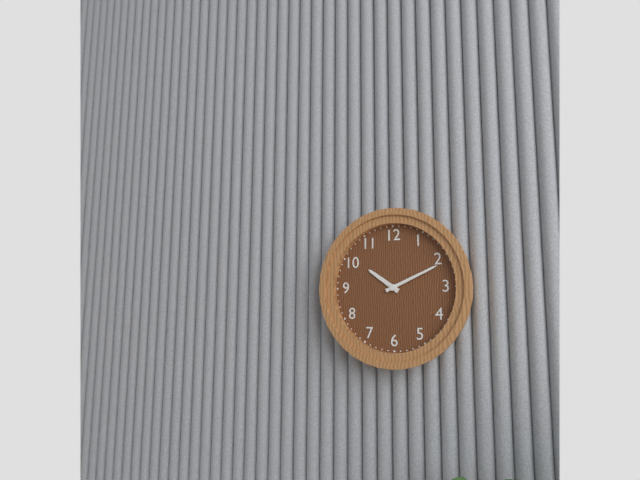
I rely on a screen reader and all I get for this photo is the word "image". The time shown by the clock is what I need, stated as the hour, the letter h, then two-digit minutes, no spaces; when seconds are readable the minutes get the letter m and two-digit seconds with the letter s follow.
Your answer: 10h11
